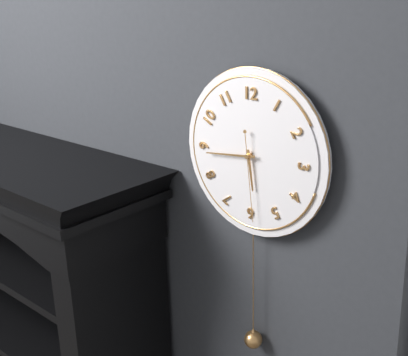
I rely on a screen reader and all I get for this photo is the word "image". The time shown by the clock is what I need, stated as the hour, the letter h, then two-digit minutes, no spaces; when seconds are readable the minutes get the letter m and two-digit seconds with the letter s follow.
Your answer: 5h44m29s
